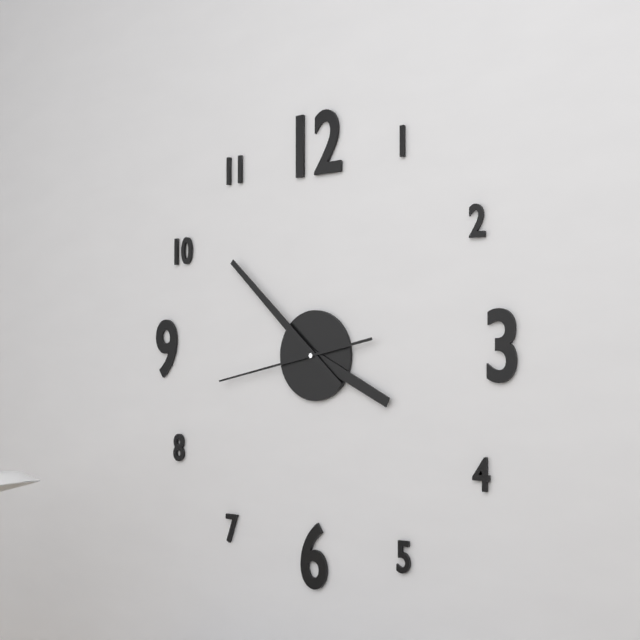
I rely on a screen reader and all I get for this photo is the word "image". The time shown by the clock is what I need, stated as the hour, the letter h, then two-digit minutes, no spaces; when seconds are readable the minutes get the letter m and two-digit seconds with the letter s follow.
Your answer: 3h52m43s
